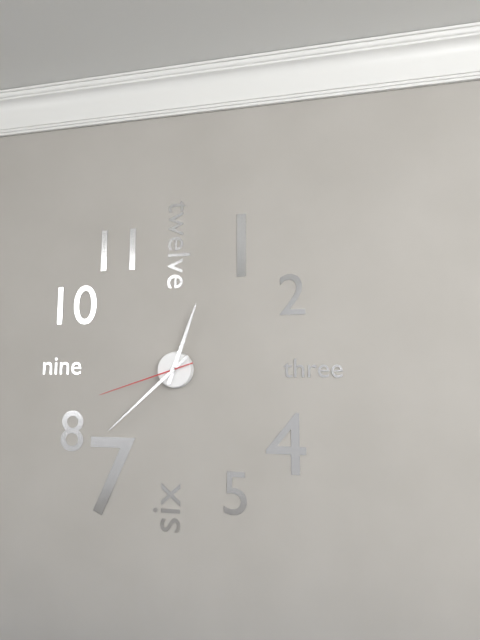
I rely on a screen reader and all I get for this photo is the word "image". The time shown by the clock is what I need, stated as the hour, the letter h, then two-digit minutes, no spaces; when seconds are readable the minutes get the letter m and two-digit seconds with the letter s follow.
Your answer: 12h38m42s
